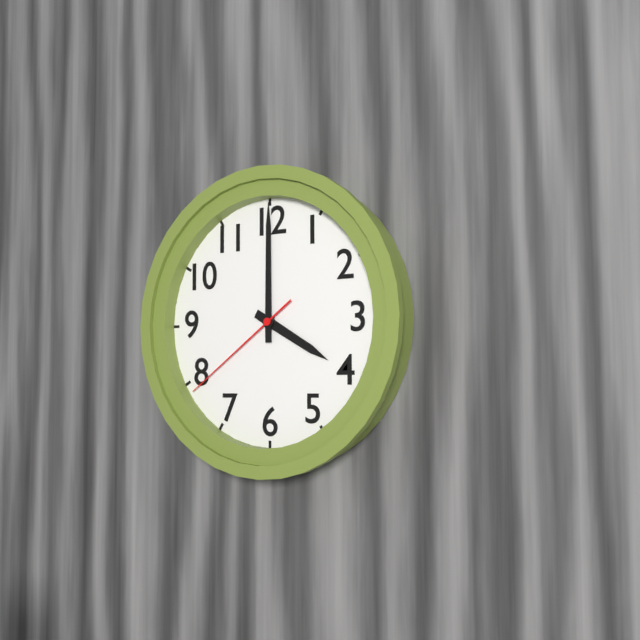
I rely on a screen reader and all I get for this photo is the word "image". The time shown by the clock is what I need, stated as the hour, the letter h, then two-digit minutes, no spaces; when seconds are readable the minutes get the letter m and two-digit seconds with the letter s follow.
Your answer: 4h00m39s
